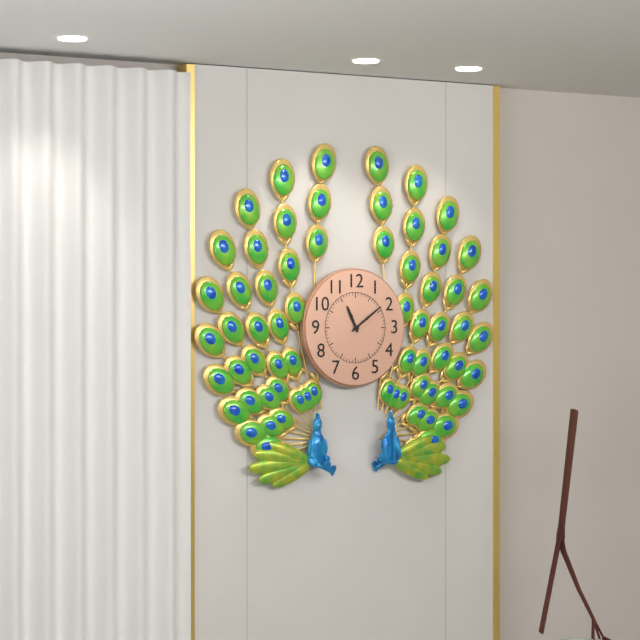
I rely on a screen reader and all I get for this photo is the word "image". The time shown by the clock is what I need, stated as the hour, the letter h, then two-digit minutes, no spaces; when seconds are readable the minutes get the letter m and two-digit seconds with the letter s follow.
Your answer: 11h09
